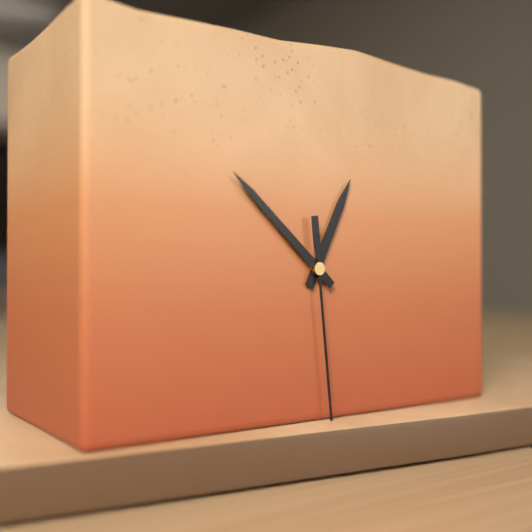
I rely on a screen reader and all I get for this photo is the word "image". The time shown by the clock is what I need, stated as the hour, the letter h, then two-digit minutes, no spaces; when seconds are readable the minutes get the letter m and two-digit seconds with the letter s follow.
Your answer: 12h52m29s
